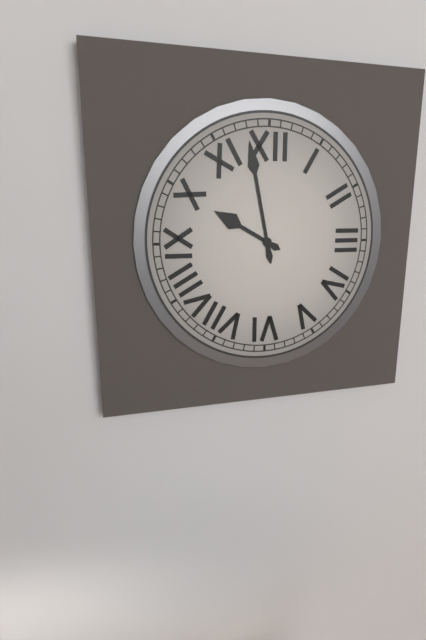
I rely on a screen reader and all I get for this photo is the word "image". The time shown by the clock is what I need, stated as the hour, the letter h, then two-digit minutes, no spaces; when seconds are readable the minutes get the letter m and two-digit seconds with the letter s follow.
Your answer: 9h58
